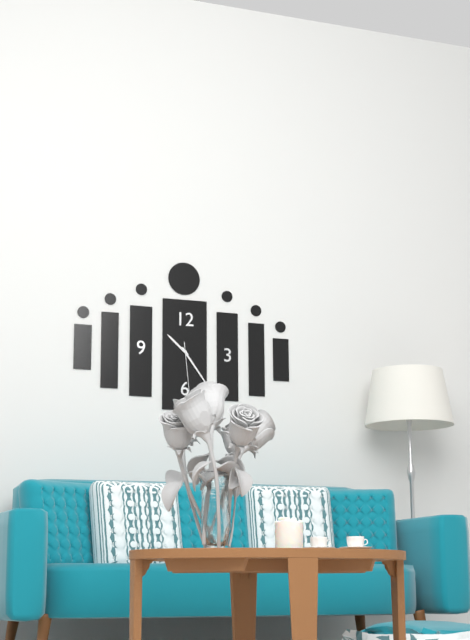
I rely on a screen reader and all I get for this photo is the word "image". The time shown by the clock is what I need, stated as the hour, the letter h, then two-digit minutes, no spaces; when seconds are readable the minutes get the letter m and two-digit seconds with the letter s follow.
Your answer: 10h24m29s
